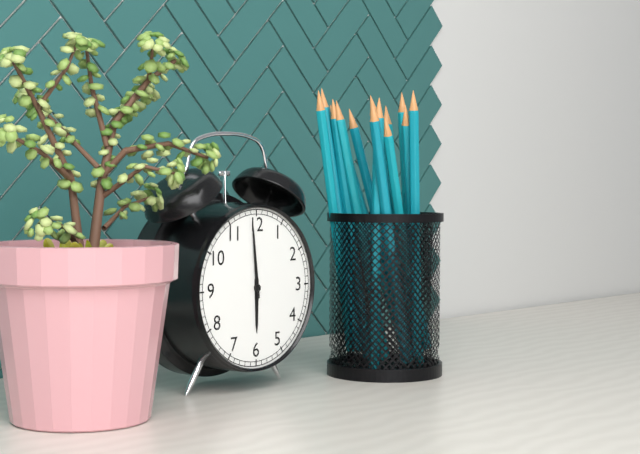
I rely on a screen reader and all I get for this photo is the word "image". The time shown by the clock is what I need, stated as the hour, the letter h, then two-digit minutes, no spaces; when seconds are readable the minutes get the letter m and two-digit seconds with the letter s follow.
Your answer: 5h59
